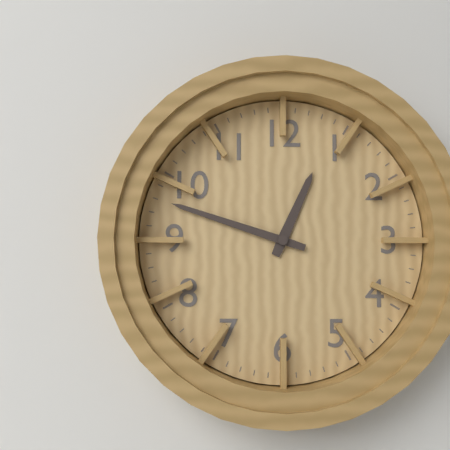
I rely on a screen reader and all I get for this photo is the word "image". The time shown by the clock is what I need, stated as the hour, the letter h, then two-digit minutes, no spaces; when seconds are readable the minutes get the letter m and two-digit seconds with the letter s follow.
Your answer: 12h48
